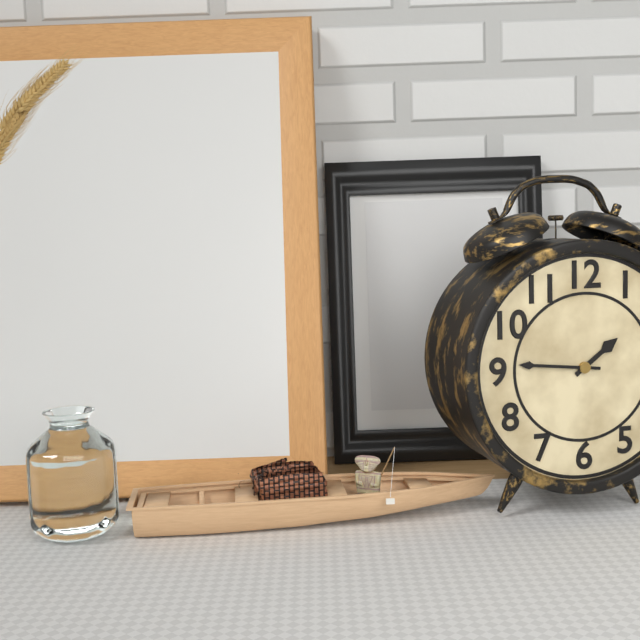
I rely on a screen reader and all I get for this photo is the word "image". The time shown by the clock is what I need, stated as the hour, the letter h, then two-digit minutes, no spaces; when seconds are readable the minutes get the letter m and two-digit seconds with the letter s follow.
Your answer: 1h46
